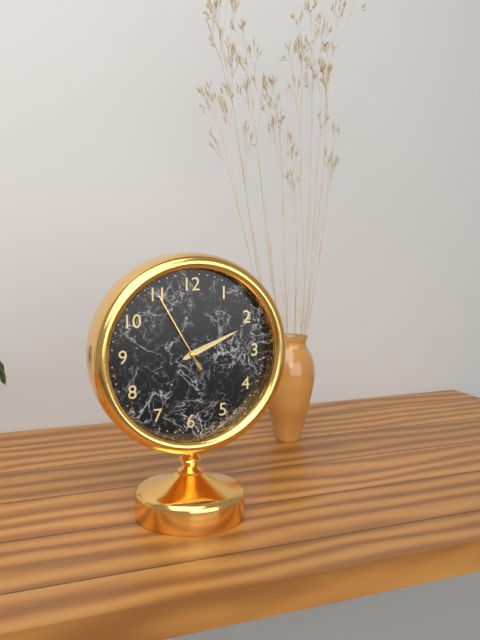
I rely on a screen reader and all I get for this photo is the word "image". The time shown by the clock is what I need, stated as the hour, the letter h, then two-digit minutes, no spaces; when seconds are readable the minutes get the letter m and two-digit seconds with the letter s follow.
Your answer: 2h11m55s
